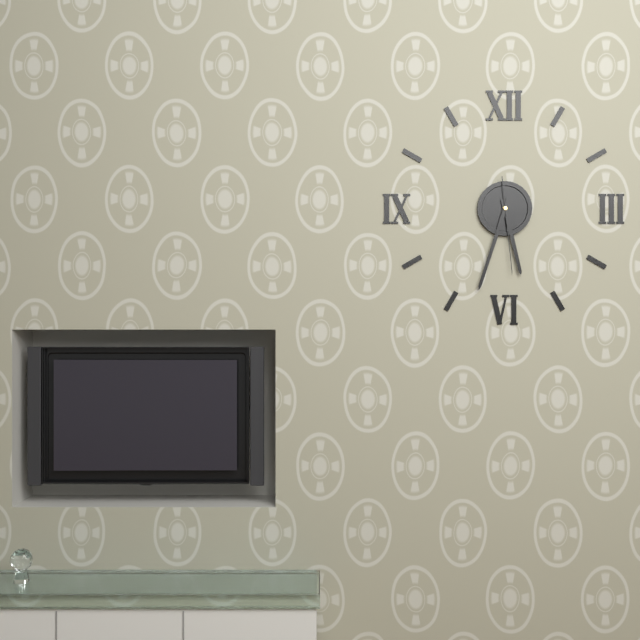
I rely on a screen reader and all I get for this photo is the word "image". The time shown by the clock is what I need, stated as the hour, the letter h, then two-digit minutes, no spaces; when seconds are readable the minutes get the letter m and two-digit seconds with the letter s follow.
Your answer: 5h33m29s
